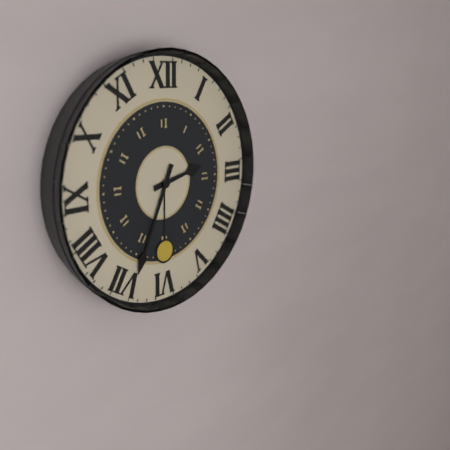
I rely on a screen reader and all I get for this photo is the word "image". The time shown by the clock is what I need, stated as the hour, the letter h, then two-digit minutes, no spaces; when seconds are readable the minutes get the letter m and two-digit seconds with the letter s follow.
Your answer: 2h34
